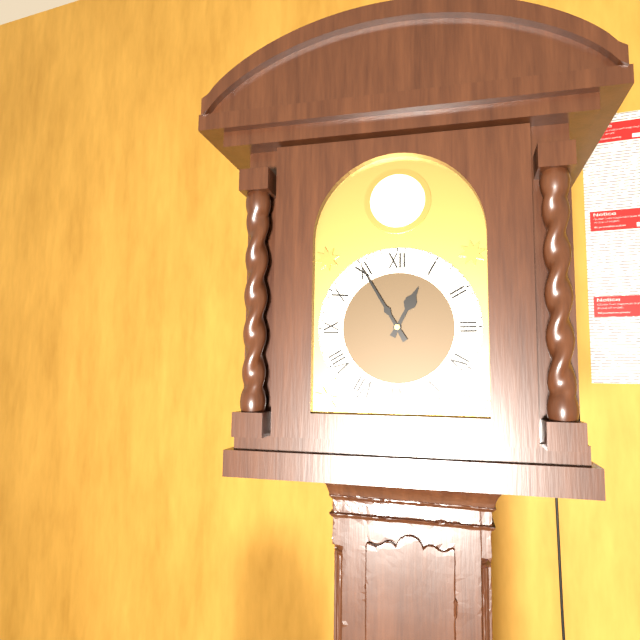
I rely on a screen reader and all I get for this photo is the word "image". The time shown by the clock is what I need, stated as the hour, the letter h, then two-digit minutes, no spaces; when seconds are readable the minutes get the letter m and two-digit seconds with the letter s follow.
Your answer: 12h55
